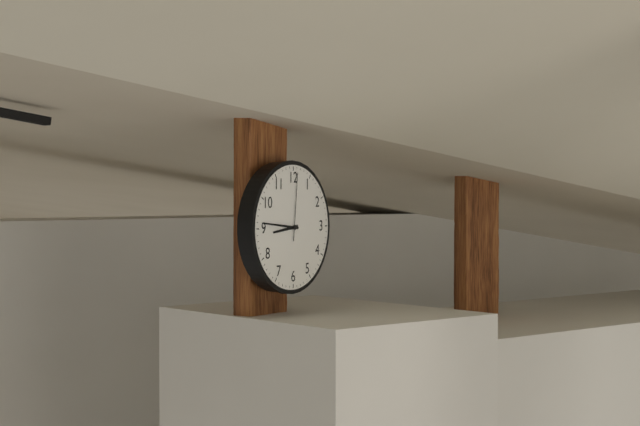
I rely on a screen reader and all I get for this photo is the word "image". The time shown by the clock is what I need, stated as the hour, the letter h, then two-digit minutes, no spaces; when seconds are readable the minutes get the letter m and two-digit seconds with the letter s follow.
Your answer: 8h46m01s
